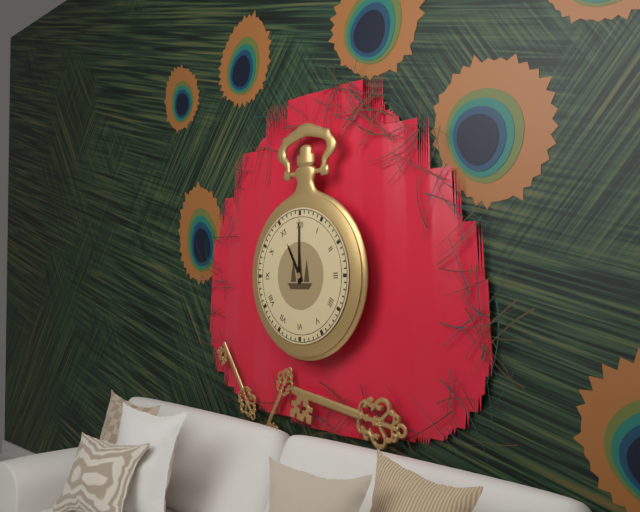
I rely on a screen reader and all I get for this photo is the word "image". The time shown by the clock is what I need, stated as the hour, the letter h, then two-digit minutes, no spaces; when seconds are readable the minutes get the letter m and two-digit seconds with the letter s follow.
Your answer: 11h00
